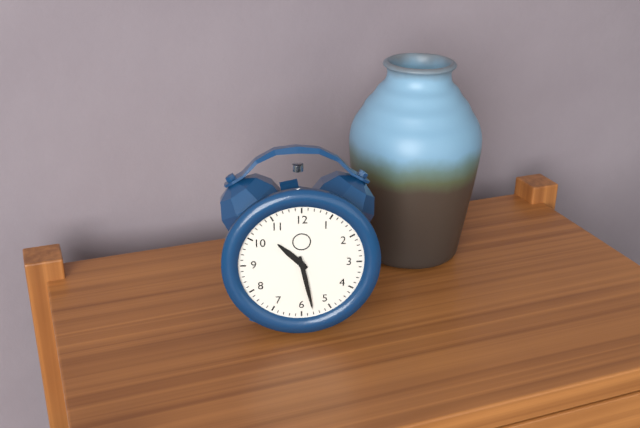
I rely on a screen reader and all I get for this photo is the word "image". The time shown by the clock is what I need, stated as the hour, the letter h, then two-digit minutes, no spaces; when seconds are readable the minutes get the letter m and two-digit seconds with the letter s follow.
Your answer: 10h28
